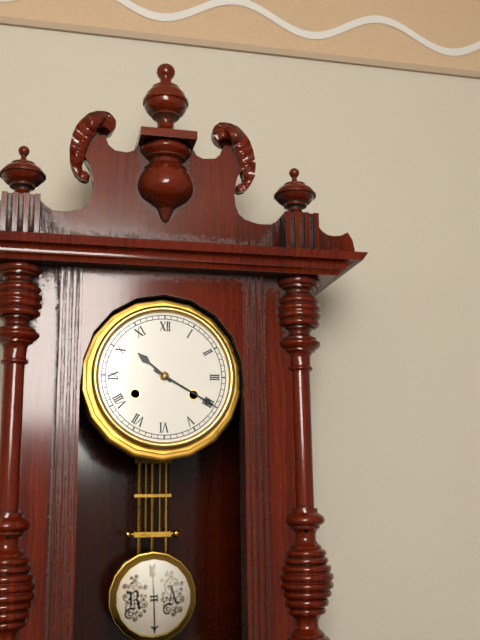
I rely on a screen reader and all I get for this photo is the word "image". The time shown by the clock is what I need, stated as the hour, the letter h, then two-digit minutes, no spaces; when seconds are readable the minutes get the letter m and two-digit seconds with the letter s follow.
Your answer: 10h20
